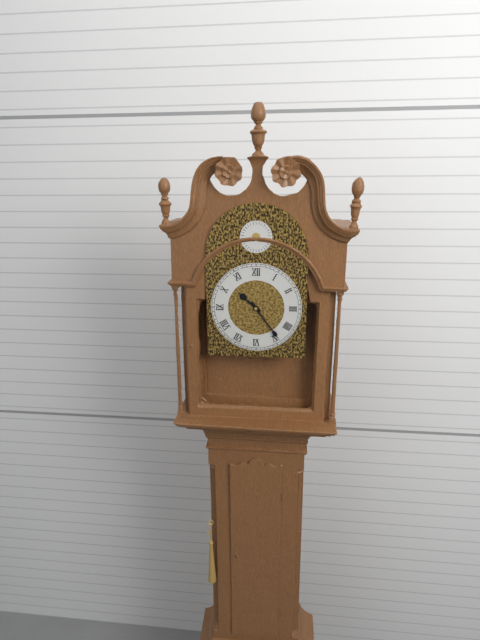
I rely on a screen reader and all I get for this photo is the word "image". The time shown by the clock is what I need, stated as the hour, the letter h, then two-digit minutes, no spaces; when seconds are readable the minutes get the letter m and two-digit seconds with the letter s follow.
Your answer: 10h24
